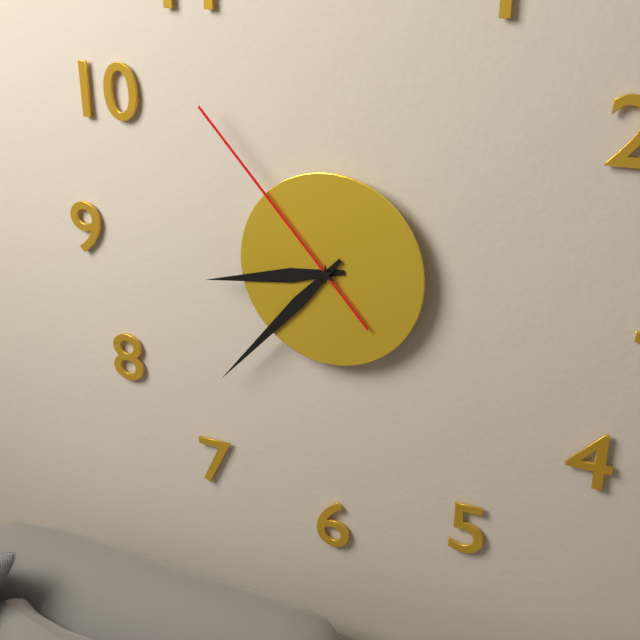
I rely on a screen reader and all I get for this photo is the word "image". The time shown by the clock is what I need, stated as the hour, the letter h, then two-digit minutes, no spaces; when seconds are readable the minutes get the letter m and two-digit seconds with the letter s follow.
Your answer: 8h37m53s
